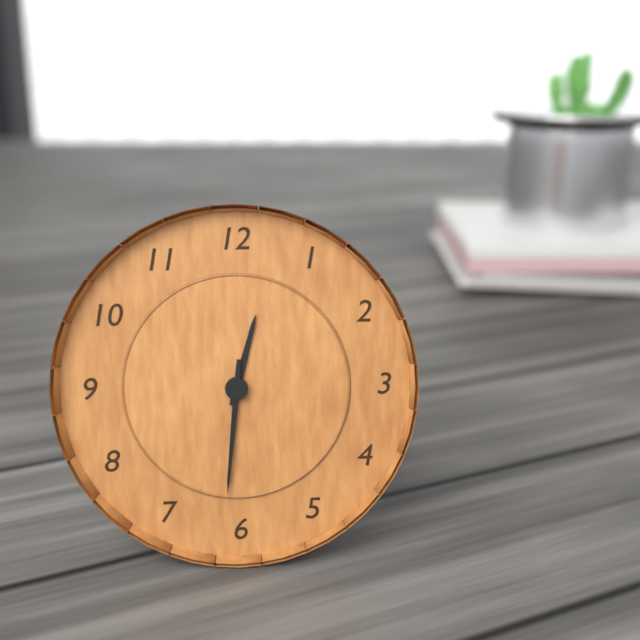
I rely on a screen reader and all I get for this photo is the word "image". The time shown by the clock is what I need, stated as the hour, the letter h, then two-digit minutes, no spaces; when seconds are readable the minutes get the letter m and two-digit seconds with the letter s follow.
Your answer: 12h31
